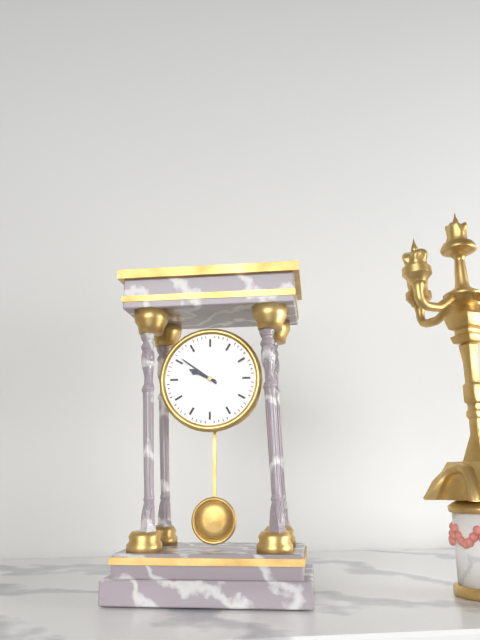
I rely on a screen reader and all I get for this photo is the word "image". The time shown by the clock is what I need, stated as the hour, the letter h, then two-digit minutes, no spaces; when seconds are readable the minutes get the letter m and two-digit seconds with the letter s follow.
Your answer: 9h51
